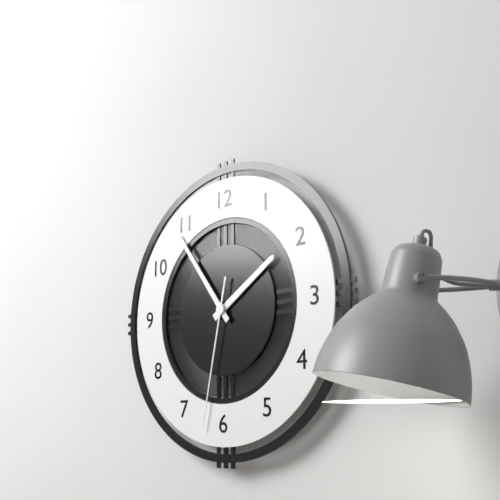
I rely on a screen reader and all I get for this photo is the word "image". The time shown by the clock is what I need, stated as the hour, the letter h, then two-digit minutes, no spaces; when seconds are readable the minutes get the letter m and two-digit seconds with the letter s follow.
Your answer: 1h54m32s
